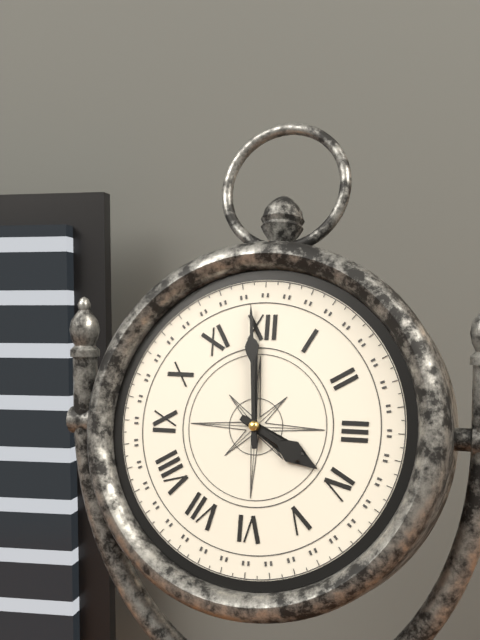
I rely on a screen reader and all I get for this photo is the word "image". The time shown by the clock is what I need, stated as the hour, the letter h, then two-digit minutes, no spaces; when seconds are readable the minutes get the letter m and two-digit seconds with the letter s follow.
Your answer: 3h59
